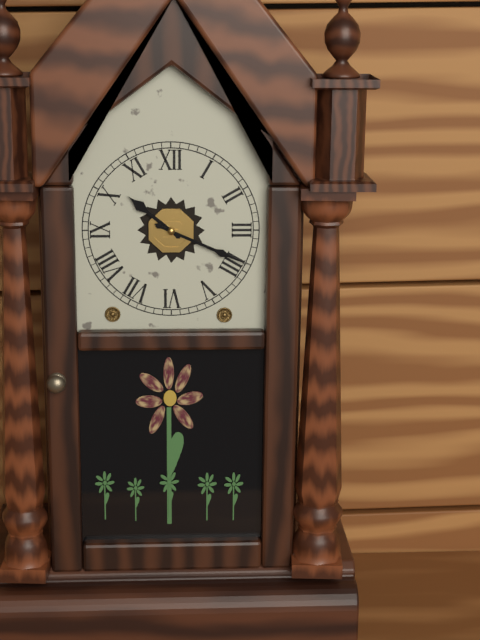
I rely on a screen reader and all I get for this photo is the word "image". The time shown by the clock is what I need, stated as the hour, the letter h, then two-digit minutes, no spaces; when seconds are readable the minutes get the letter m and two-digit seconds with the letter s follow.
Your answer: 10h19
